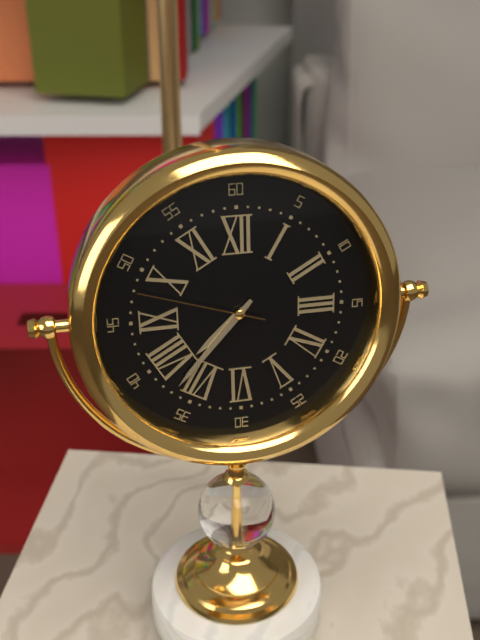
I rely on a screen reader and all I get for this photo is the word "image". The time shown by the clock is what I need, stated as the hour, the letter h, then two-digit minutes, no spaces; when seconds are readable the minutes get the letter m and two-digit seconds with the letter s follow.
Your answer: 7h37m48s
